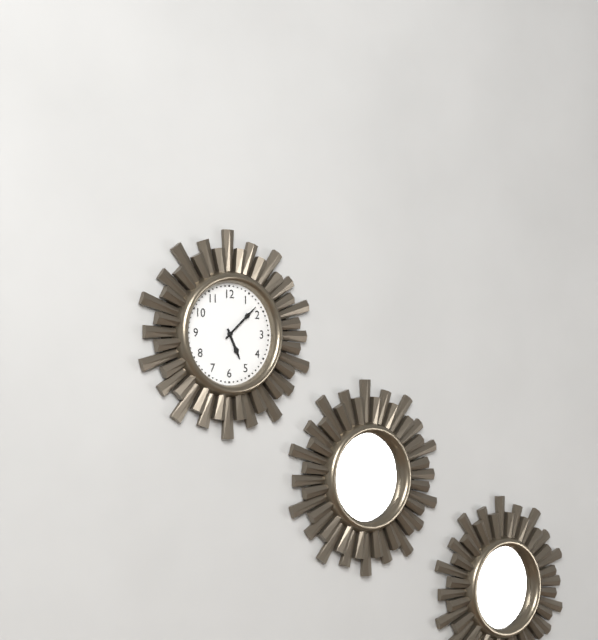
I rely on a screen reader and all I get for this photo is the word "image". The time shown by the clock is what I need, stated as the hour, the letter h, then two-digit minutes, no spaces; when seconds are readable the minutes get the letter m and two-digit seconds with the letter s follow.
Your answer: 5h08
